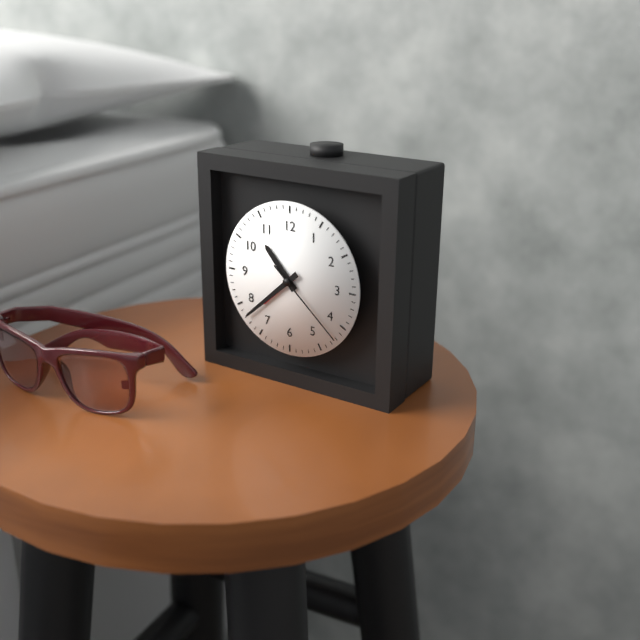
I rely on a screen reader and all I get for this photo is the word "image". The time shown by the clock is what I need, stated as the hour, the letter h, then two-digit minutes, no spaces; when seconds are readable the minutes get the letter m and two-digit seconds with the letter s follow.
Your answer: 10h38m22s
